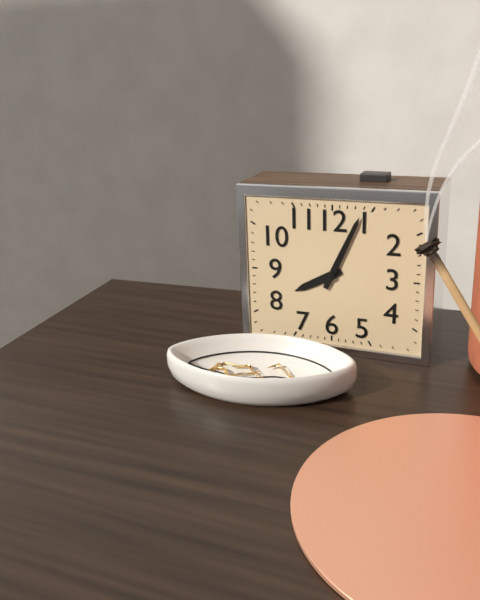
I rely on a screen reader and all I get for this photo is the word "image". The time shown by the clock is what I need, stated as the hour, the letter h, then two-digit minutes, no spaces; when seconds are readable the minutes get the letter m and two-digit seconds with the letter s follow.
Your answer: 8h04
